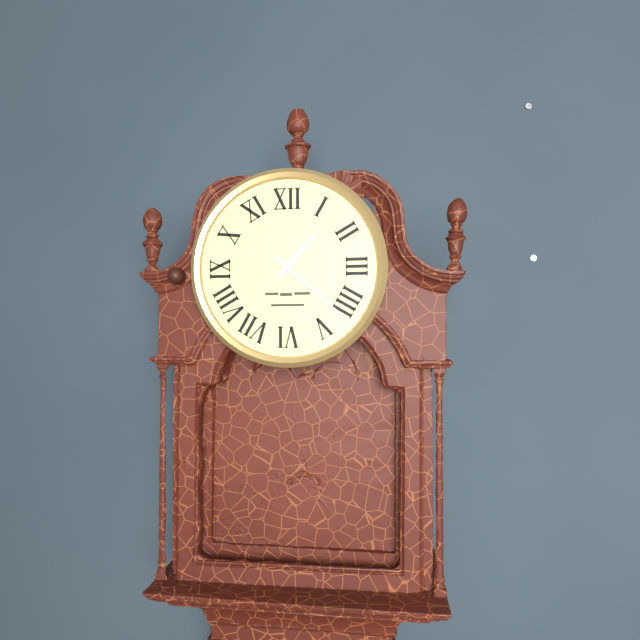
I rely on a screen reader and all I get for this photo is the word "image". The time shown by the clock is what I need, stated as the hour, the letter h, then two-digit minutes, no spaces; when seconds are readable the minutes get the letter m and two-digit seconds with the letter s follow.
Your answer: 1h22
